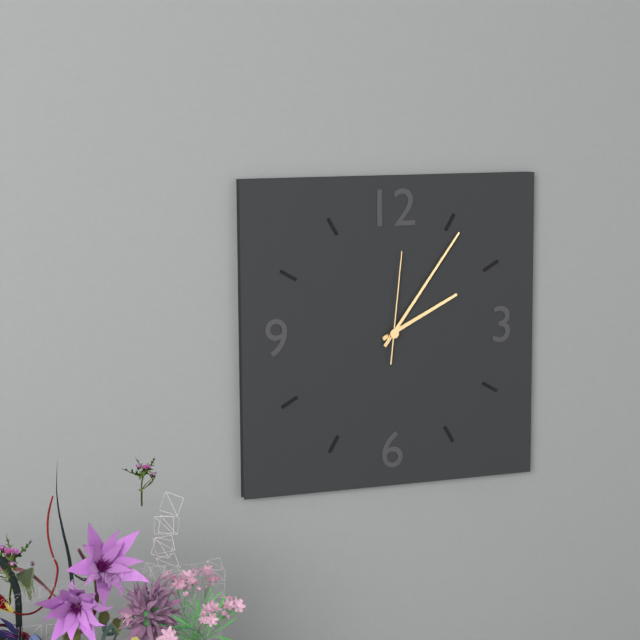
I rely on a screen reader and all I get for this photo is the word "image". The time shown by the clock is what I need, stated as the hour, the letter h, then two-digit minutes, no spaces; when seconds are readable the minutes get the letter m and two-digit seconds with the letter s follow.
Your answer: 2h06m01s
